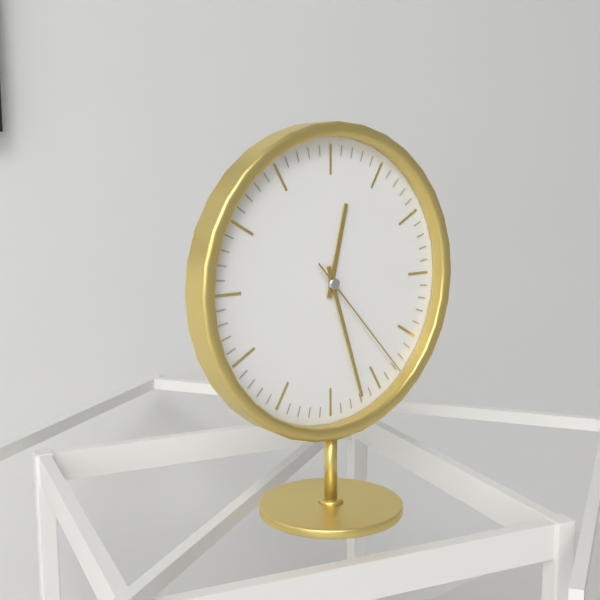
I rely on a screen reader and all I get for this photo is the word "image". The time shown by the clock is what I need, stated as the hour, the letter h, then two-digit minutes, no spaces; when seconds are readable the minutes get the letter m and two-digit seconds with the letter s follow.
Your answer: 12h27m23s
